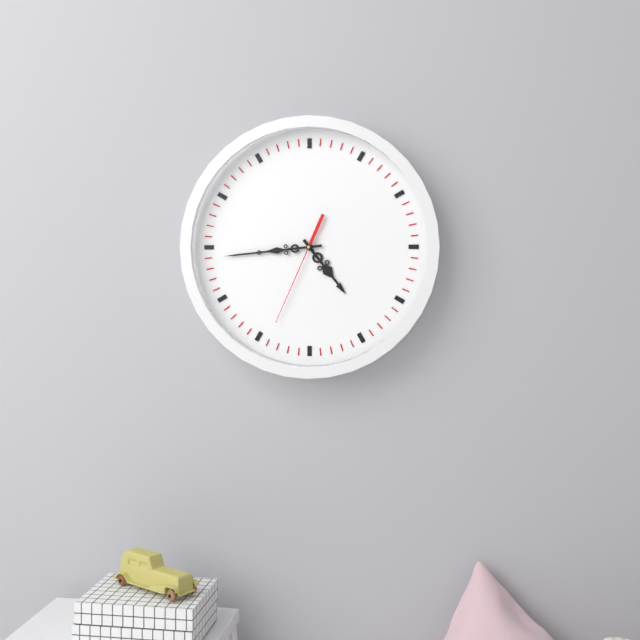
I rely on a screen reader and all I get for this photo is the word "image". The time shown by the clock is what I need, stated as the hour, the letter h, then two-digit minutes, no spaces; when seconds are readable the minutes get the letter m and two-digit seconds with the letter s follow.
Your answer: 4h44m34s
